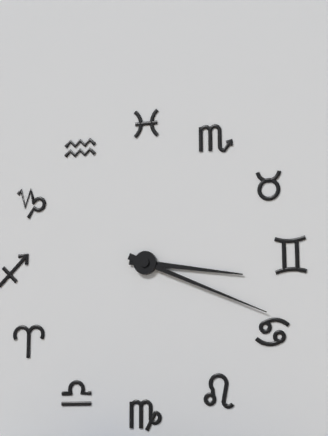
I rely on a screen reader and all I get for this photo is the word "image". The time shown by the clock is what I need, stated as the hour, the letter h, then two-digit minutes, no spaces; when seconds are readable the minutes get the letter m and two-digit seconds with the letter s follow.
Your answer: 3h19
